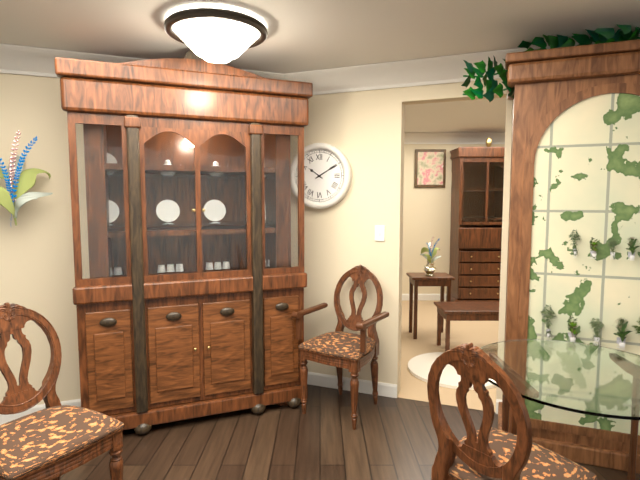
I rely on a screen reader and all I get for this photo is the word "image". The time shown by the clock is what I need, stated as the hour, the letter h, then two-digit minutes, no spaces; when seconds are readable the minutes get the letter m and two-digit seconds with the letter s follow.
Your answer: 10h10
